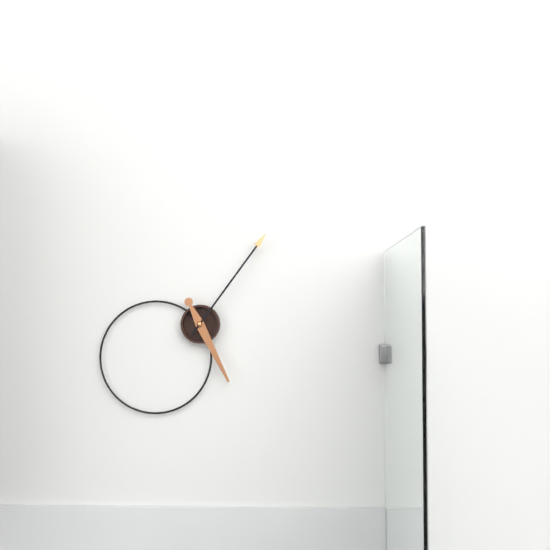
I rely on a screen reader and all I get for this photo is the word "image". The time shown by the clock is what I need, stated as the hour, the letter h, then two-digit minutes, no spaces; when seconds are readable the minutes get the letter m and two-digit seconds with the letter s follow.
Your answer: 5h06
